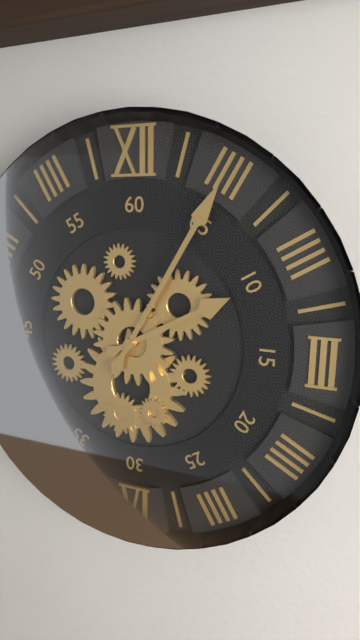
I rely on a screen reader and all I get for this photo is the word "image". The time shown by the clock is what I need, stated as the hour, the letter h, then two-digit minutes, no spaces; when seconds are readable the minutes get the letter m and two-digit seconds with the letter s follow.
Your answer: 2h05
